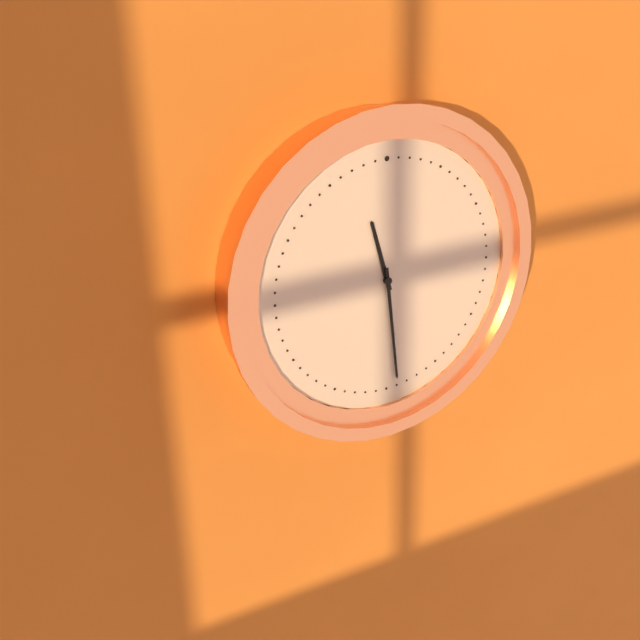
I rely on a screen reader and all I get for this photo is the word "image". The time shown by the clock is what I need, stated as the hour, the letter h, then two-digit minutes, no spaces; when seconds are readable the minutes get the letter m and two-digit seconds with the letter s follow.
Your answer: 11h29
